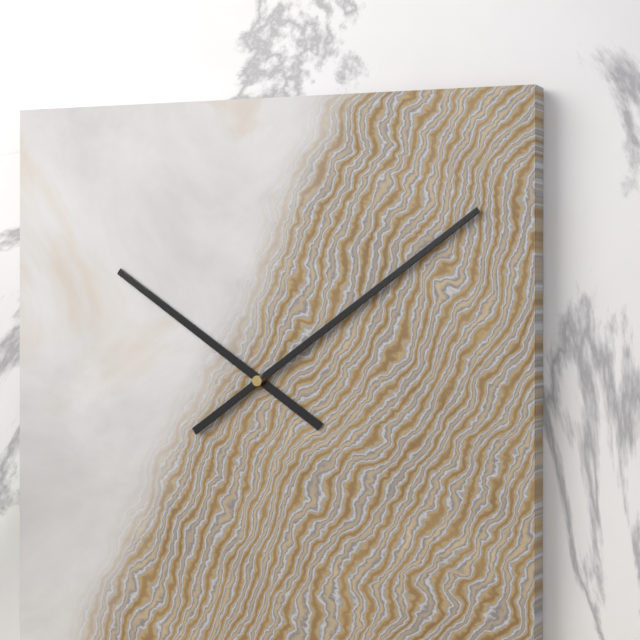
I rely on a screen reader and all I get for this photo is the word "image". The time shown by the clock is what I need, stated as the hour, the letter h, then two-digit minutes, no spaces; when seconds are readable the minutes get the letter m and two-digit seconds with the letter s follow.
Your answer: 10h09
